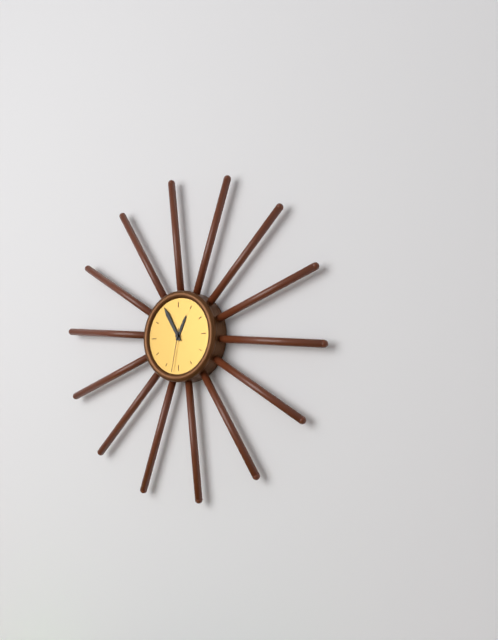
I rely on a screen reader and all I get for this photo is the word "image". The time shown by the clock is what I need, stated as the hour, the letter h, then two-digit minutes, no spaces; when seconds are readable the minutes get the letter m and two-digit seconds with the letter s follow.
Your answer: 12h55
